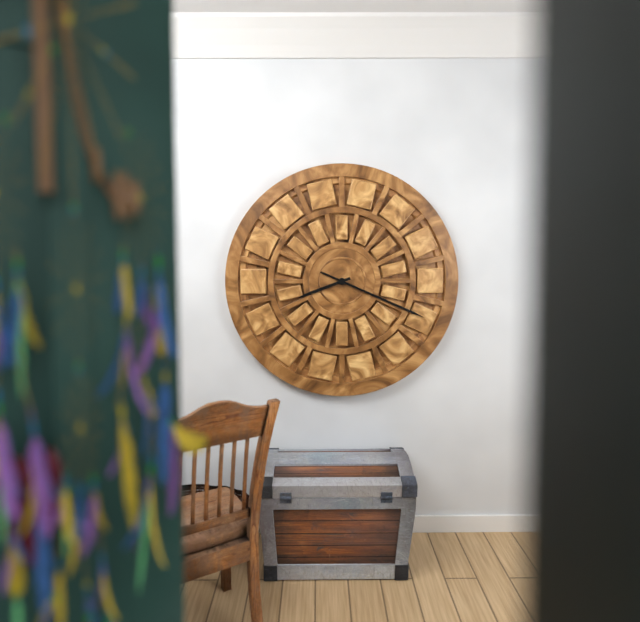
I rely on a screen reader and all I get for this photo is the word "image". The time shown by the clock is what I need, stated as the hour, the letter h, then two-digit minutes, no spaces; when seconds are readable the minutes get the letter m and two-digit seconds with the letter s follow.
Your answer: 8h19
